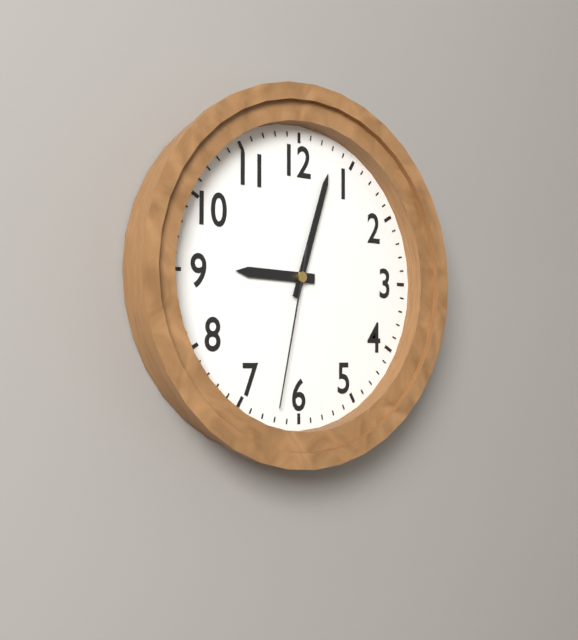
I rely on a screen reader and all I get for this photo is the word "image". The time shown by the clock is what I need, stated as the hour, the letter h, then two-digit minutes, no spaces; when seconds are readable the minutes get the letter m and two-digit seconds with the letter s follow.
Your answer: 9h03m32s
